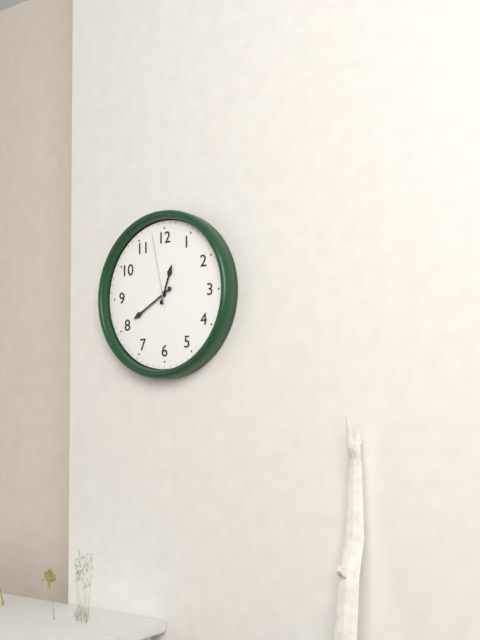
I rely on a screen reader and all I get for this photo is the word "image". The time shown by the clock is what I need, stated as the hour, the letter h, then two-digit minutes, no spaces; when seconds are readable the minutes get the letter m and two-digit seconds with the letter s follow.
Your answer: 12h40m58s
